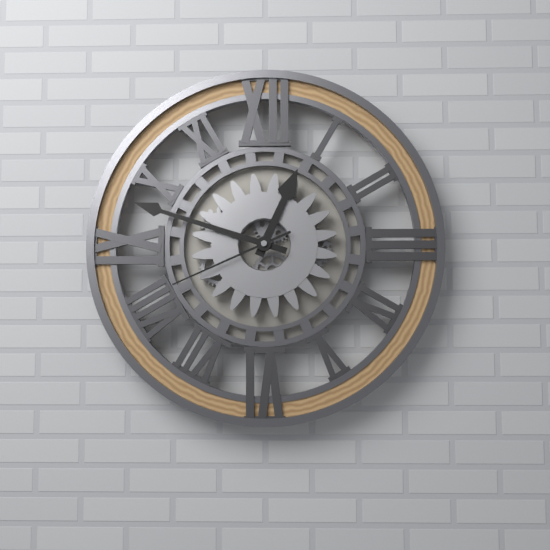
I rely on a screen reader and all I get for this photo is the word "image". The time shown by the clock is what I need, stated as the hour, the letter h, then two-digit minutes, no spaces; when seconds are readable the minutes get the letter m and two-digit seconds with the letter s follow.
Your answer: 12h48m41s
